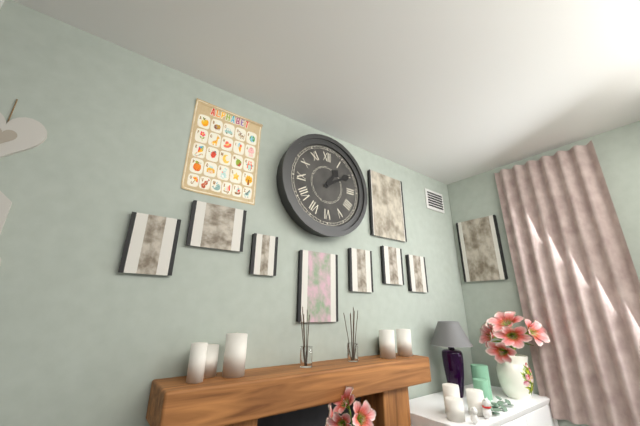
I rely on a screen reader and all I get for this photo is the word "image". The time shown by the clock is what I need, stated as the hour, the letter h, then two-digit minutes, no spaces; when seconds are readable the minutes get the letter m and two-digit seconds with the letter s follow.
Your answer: 1h10
